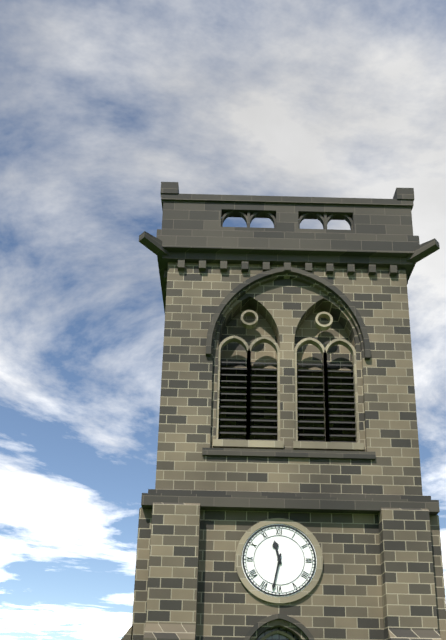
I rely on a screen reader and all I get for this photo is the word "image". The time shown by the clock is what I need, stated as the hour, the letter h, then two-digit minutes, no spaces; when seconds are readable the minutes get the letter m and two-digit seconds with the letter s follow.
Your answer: 11h32
